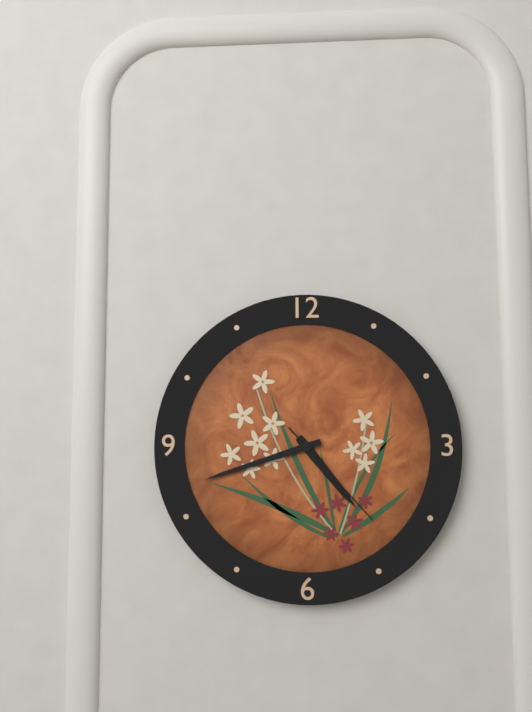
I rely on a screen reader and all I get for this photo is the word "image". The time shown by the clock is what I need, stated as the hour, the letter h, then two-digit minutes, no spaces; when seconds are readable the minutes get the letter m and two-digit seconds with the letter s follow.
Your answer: 4h42m23s
